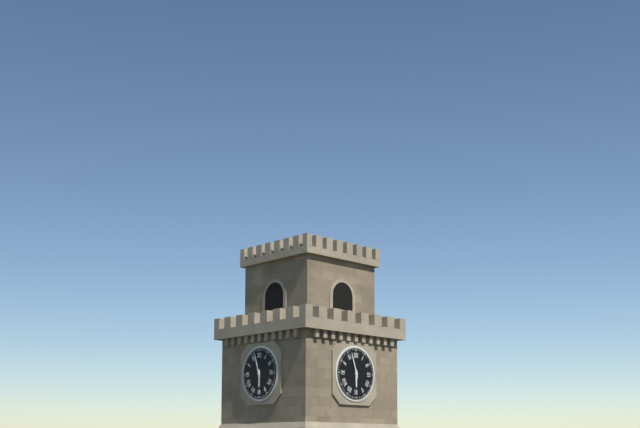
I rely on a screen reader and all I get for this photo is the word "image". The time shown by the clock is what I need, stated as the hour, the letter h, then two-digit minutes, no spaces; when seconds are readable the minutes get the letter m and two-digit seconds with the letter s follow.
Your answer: 5h57
